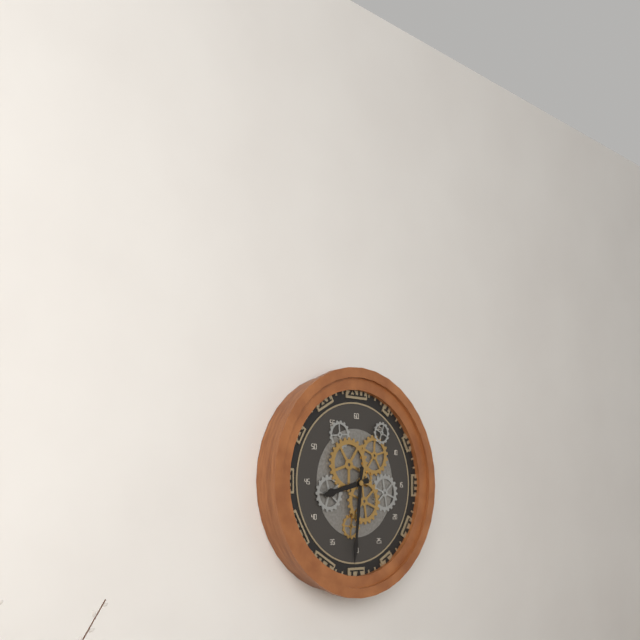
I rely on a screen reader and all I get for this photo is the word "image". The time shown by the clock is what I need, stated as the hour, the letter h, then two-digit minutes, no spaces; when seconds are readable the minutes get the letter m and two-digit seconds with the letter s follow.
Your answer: 8h31
